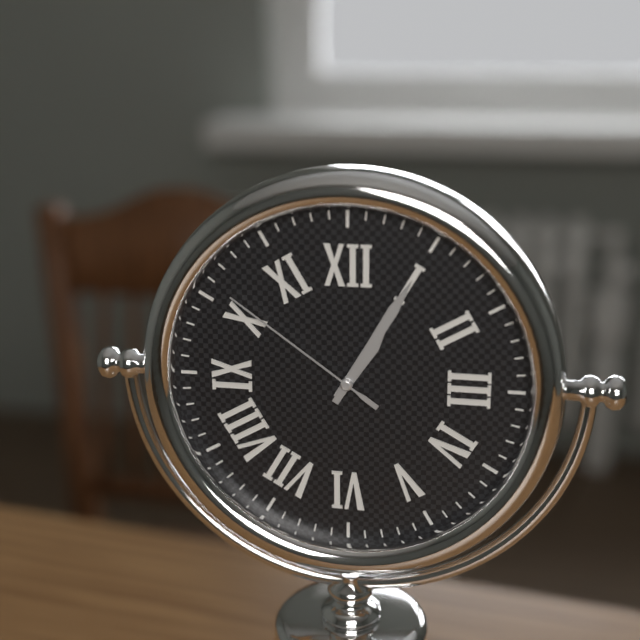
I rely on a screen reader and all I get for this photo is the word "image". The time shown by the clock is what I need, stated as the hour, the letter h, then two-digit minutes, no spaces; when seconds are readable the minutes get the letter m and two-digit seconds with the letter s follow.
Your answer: 1h05m51s
